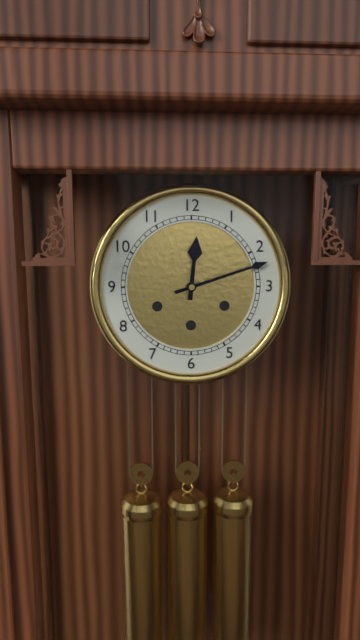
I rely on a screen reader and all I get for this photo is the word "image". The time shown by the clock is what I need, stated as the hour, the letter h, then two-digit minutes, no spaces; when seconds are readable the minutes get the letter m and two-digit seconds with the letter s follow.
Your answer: 12h12
